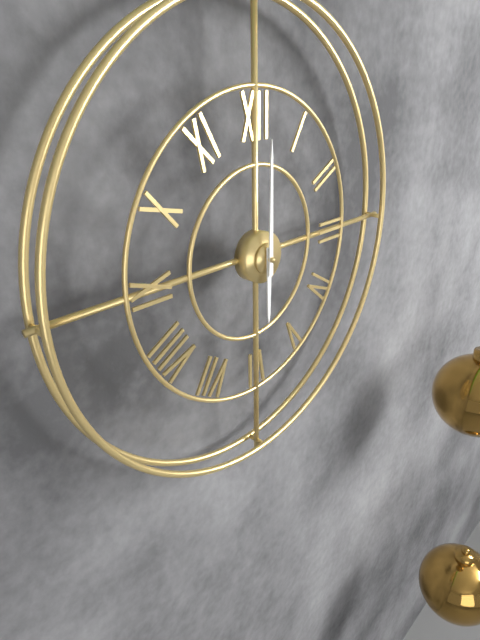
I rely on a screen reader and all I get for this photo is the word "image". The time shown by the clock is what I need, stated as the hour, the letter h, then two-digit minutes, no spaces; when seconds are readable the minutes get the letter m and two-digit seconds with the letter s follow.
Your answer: 6h00
